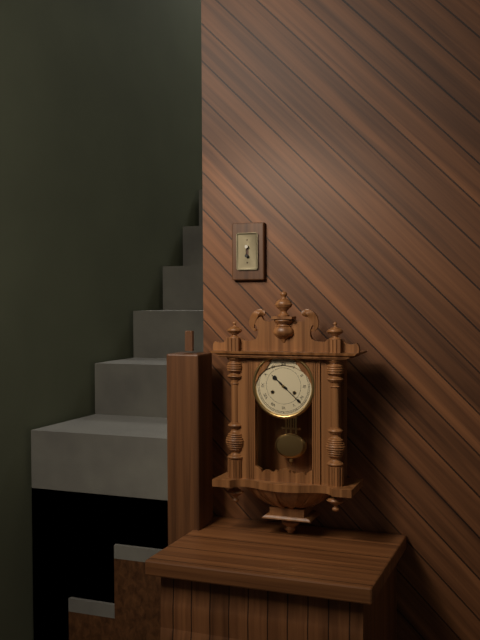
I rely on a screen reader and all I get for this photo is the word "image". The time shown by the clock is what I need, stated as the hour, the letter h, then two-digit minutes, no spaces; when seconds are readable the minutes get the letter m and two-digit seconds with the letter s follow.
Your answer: 10h22
